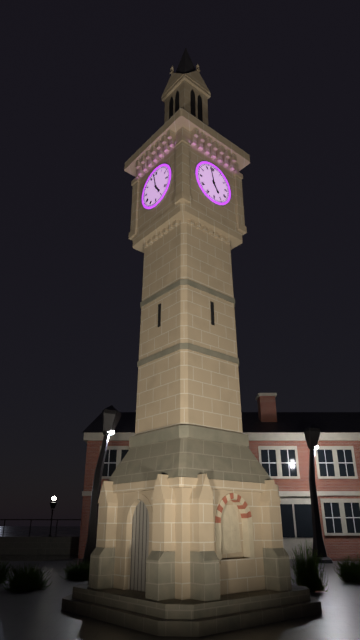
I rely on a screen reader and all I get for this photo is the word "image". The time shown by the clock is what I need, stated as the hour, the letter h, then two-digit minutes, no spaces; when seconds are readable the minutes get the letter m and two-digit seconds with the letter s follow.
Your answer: 4h58
